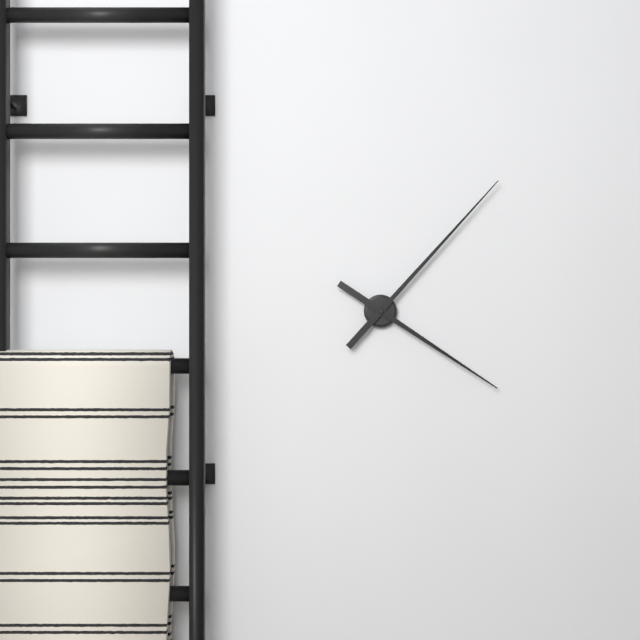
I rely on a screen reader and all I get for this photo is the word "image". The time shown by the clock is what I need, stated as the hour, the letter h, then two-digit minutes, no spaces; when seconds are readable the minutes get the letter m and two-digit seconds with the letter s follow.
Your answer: 4h07
